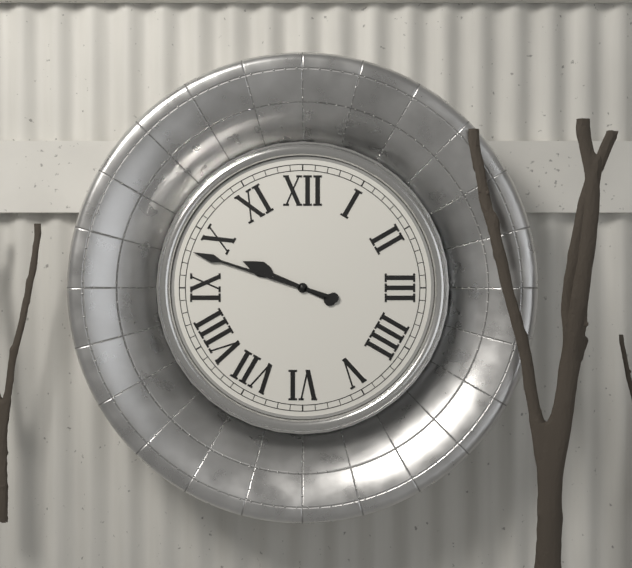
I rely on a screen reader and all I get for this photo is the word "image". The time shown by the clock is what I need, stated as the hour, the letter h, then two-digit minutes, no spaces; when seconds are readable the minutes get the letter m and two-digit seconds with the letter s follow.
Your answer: 9h48
